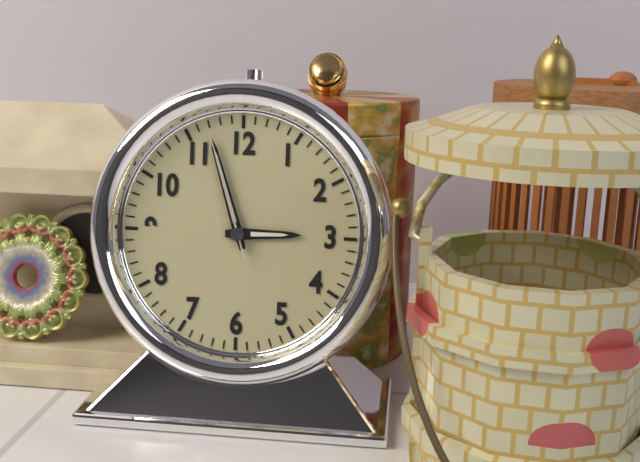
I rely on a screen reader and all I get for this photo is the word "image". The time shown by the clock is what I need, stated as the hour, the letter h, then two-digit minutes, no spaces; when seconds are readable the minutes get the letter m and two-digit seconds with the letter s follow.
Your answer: 2h57m57s
